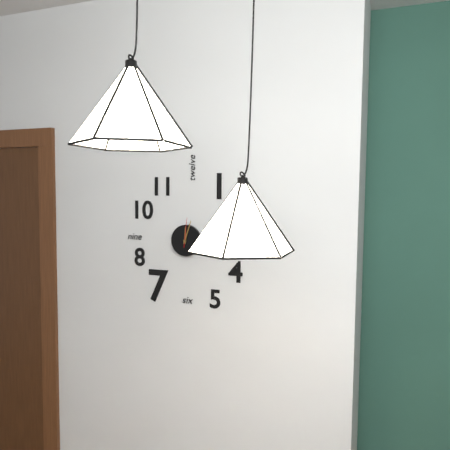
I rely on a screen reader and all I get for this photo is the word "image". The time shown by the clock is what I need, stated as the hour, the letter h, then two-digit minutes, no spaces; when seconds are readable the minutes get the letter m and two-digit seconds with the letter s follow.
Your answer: 12h03
